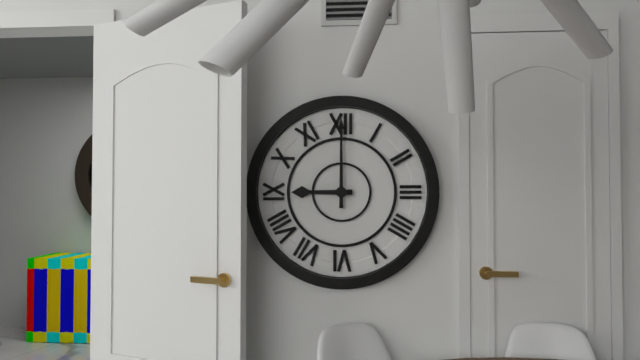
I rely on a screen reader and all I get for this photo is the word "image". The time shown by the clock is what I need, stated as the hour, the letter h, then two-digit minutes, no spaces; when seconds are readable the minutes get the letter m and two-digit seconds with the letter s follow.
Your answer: 9h00
